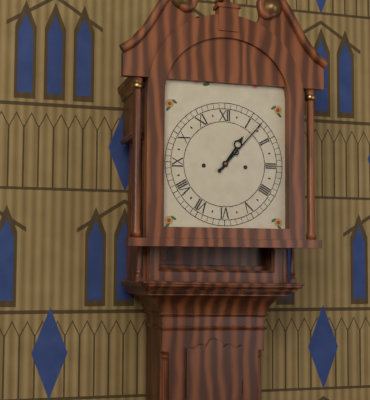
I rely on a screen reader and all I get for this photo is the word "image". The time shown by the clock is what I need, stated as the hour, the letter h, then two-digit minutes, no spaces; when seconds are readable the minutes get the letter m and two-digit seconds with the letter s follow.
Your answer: 1h07
